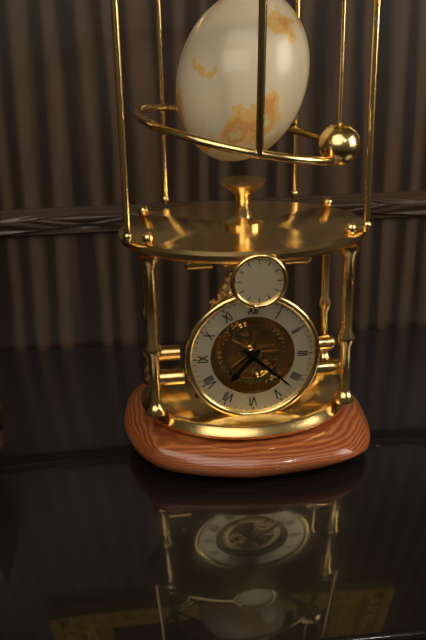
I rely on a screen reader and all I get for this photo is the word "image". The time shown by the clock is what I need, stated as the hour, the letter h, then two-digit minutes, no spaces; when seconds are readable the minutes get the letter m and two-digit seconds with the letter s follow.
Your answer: 7h22
